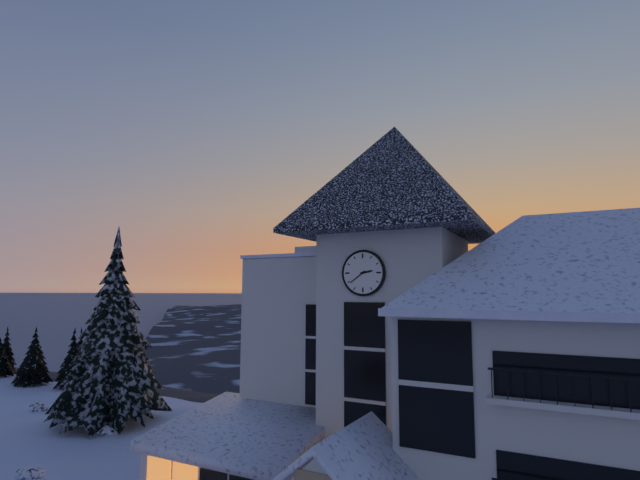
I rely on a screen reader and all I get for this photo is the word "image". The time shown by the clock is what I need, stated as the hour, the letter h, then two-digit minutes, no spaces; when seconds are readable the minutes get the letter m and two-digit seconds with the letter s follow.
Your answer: 2h39
